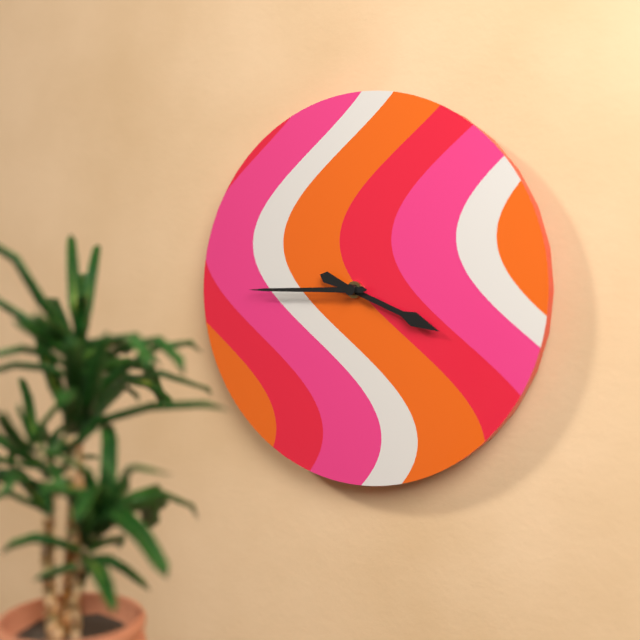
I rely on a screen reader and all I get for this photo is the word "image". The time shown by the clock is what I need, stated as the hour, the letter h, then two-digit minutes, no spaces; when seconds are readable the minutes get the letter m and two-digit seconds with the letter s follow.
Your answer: 3h45
